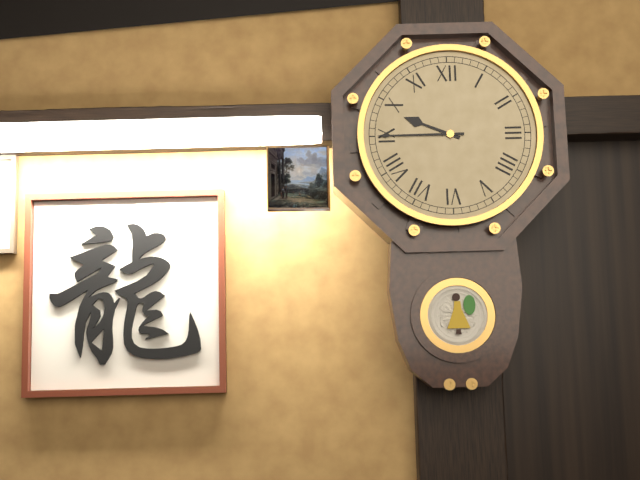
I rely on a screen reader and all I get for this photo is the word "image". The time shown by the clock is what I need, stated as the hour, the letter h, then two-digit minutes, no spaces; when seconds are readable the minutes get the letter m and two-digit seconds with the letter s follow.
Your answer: 9h45
